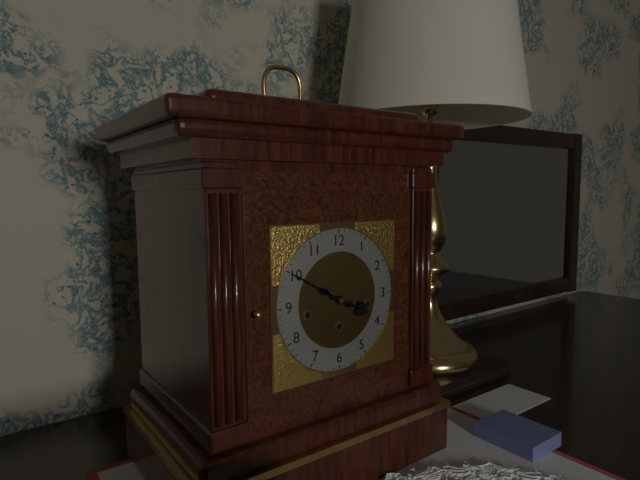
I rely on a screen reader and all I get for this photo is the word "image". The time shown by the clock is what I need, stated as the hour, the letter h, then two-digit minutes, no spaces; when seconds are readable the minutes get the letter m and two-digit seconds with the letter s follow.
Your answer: 3h50
